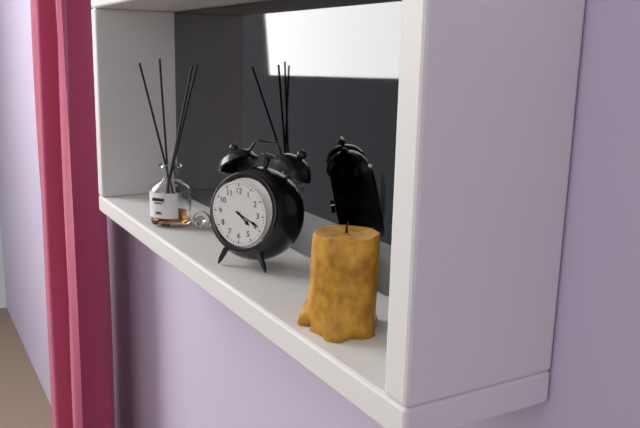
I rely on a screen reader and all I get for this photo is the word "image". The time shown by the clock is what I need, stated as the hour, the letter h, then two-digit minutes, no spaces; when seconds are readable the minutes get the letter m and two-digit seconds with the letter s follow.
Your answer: 4h19
